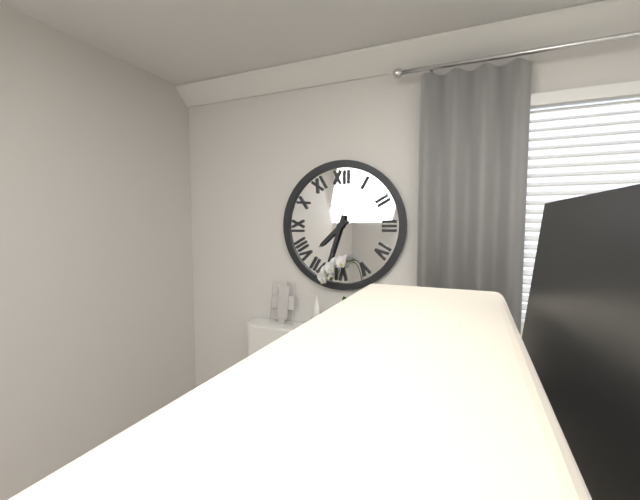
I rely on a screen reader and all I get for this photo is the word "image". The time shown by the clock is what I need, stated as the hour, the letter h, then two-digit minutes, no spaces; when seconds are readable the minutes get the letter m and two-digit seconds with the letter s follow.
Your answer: 7h33
